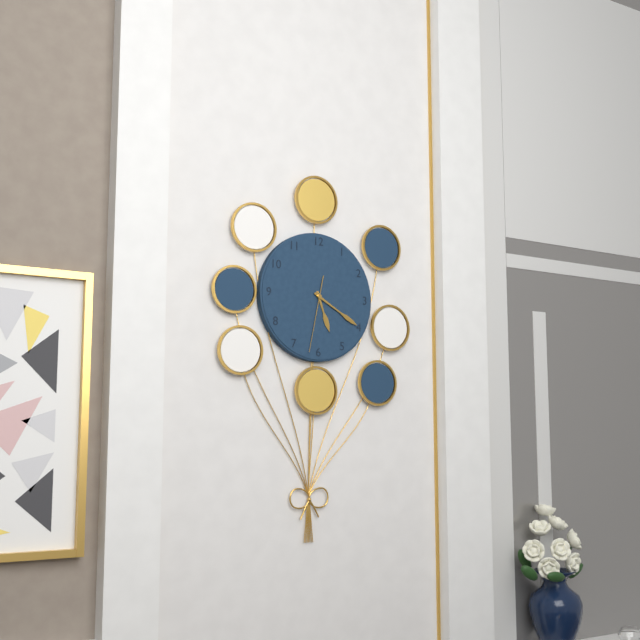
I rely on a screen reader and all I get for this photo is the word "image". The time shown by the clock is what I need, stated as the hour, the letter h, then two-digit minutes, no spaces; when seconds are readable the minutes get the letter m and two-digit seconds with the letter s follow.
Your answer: 5h20m32s
